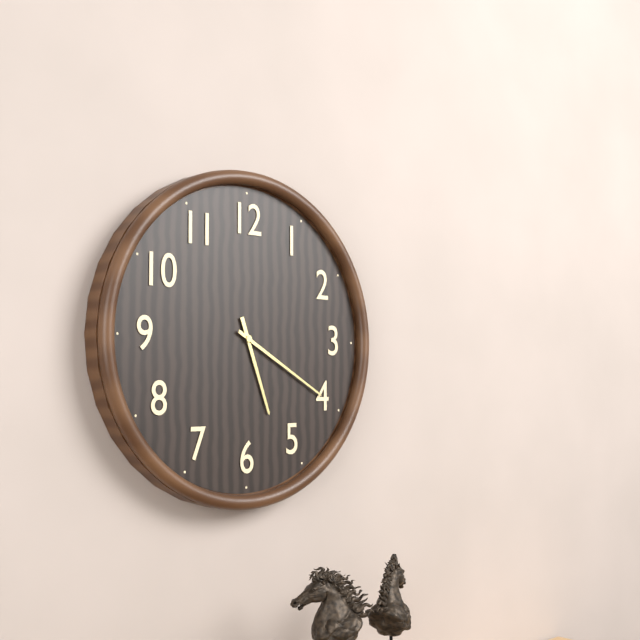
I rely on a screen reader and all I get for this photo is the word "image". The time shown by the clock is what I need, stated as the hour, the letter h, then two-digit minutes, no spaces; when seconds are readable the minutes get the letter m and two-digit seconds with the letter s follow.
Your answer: 5h20
